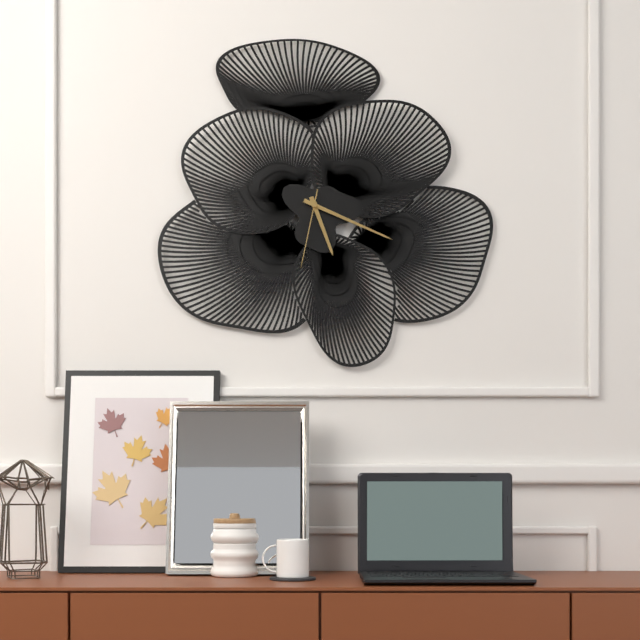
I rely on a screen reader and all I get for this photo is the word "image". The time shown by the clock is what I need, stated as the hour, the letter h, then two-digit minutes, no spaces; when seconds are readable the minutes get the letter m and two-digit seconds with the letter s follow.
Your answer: 5h19m32s
